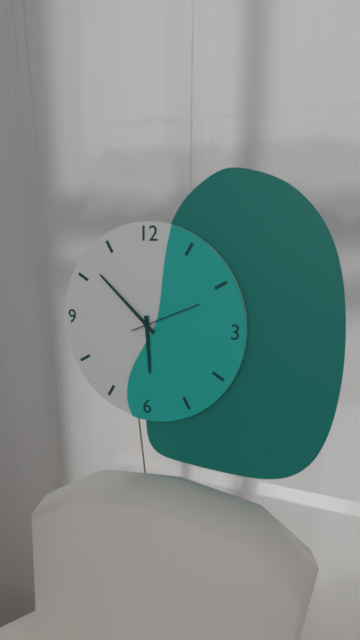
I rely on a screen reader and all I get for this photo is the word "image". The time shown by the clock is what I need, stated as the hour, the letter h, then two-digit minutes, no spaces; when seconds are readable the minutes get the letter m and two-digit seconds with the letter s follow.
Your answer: 5h52m11s
